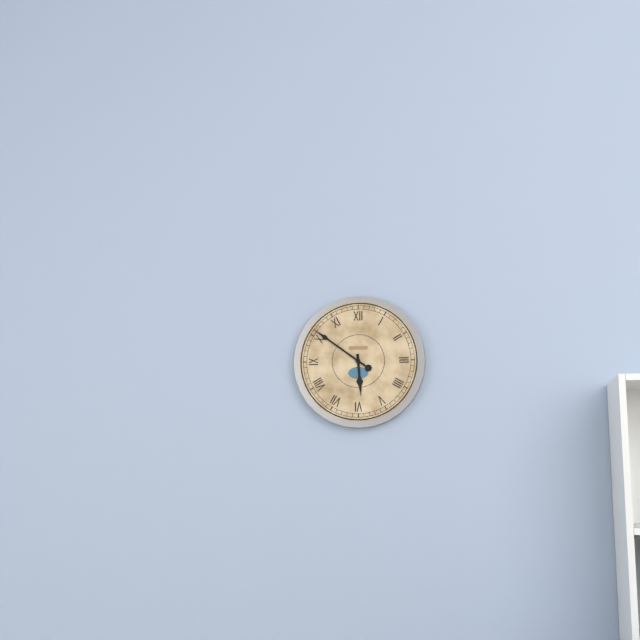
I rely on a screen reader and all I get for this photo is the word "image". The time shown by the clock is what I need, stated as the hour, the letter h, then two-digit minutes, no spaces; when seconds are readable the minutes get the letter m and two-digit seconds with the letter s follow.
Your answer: 5h51
